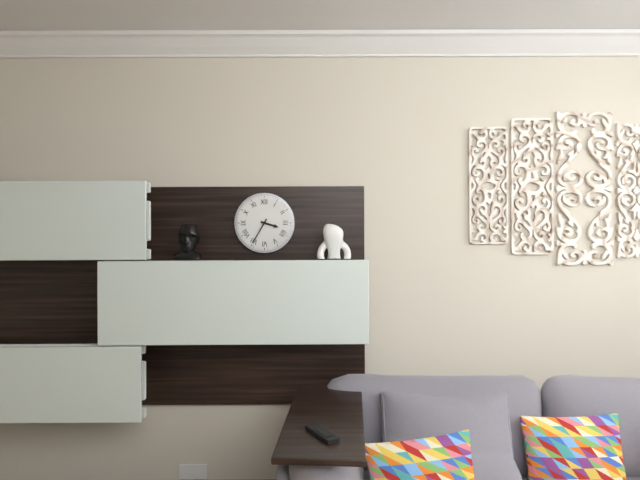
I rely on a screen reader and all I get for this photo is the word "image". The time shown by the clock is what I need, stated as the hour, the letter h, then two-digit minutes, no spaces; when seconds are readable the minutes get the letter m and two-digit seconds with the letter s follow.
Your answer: 3h35
